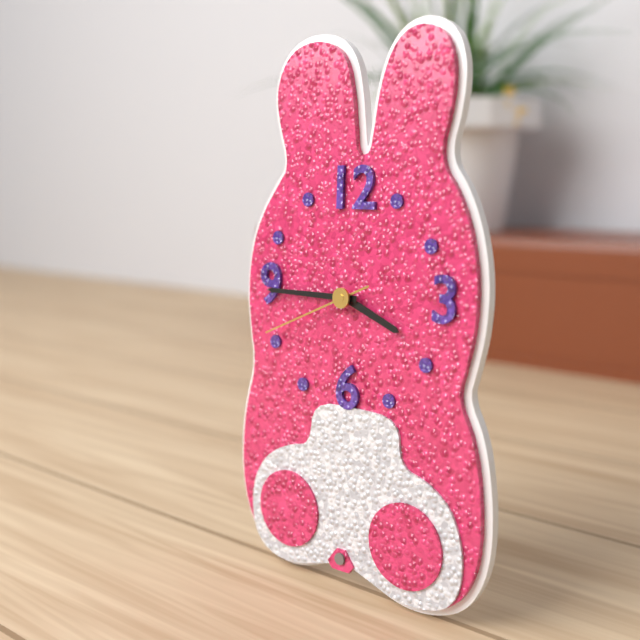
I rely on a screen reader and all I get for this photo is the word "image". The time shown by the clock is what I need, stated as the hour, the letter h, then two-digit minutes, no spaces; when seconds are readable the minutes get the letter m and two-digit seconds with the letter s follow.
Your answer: 3h45m41s
